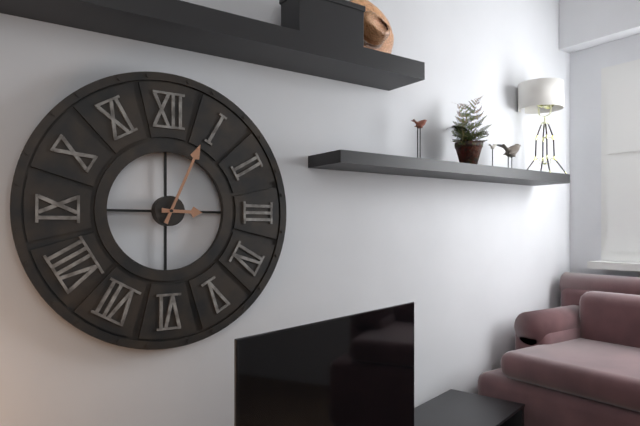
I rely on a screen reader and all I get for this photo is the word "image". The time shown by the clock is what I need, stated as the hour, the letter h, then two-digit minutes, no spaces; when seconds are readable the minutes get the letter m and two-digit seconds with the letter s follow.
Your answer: 3h04
